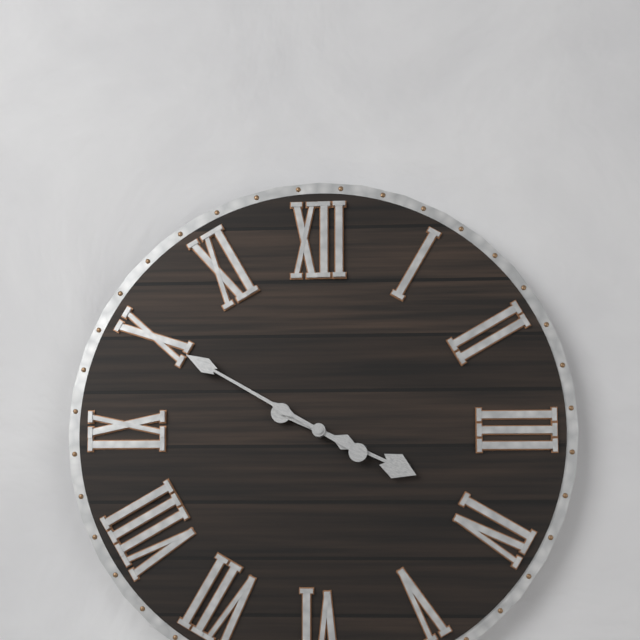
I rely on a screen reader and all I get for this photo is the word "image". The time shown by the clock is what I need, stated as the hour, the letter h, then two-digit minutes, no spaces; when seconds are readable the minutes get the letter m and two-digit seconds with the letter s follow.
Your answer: 3h50
